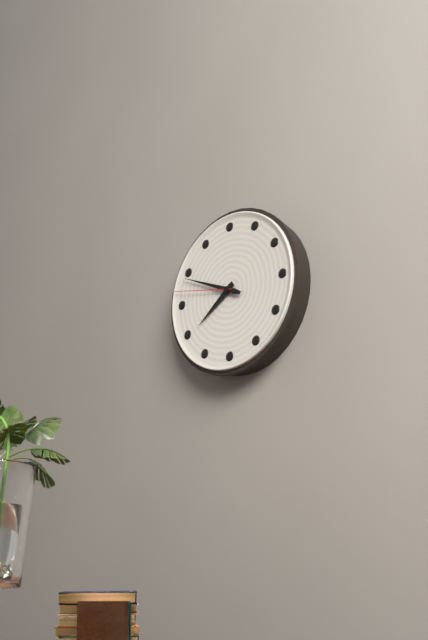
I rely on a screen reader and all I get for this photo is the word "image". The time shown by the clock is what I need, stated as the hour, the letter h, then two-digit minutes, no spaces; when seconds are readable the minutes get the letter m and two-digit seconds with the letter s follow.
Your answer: 7h49m47s
